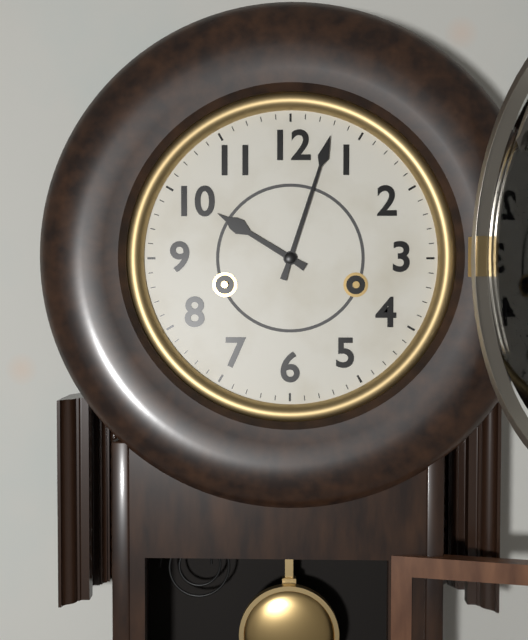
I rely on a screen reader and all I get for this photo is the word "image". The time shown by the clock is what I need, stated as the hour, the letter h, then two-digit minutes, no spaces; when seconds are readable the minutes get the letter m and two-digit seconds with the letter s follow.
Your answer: 10h03
